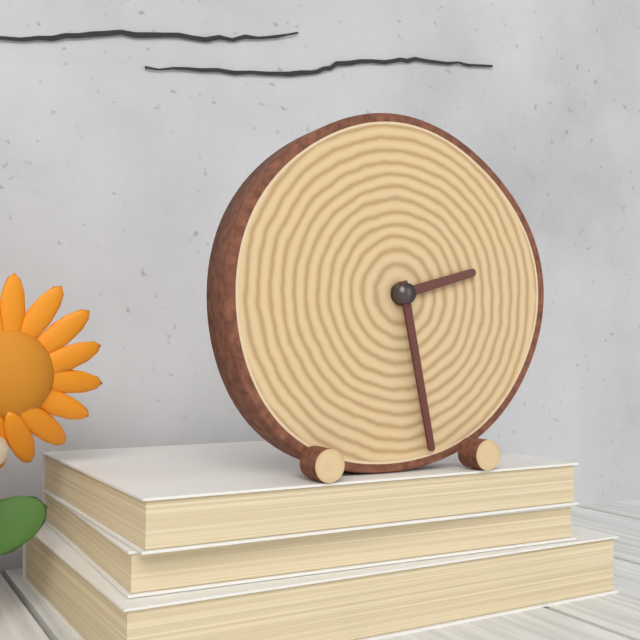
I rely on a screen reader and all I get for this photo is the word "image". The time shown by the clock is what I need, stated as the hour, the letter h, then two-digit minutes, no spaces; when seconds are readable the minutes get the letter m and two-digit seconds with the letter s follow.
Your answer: 2h28
